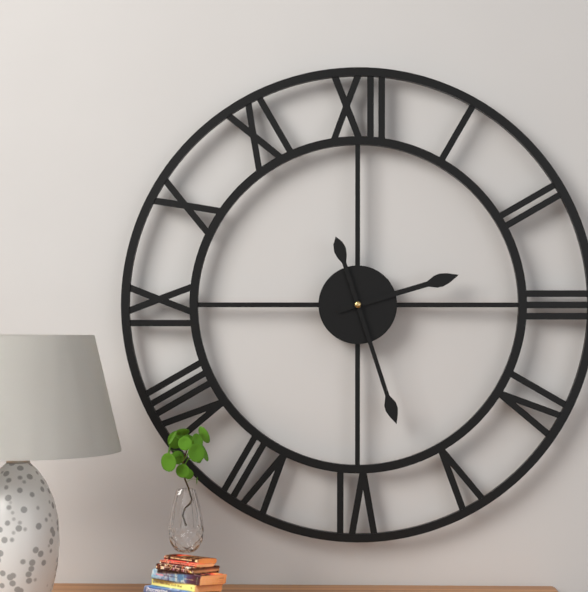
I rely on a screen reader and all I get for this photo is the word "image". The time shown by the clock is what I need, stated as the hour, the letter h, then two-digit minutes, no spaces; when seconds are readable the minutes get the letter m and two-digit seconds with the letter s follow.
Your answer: 2h27
